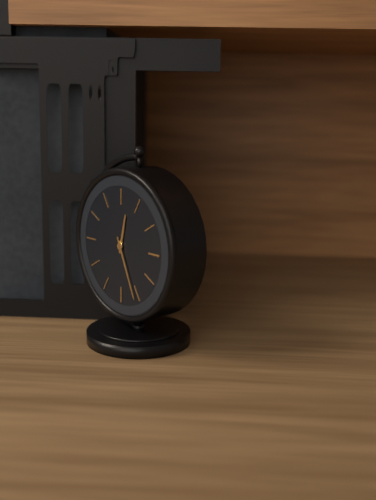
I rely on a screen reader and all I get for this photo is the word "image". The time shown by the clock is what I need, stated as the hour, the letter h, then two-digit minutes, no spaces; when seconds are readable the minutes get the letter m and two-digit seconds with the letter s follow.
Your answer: 12h26
